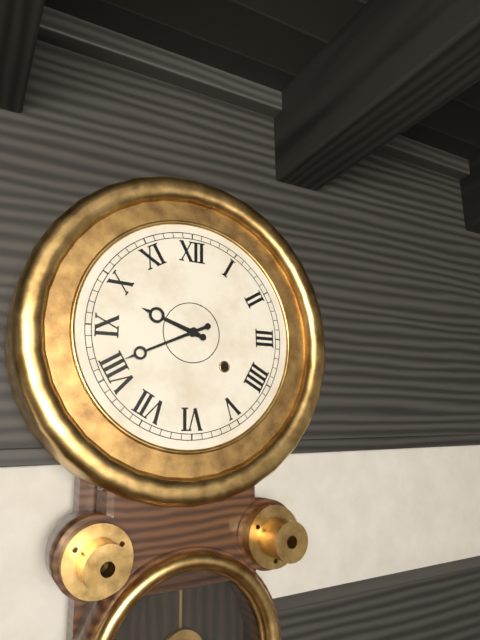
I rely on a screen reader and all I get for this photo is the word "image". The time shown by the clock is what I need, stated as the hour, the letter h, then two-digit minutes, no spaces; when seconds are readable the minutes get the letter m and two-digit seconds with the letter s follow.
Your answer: 9h41
